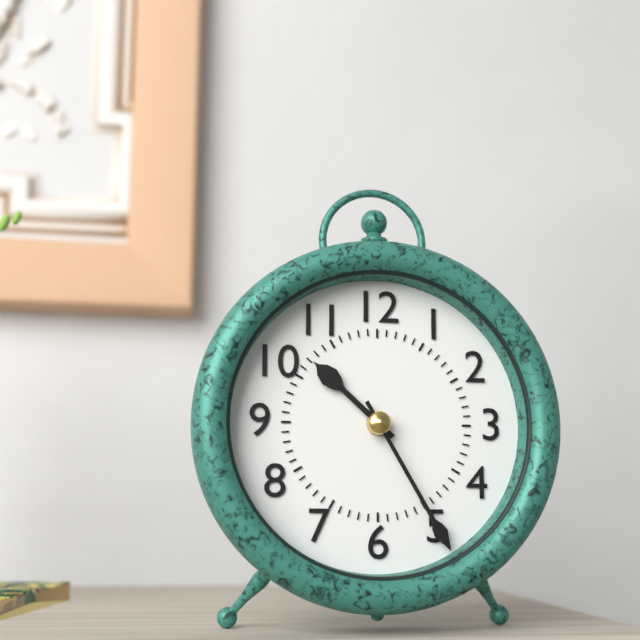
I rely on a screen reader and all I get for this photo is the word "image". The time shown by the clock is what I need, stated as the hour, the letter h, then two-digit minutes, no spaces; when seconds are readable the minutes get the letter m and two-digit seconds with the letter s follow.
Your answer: 10h25
